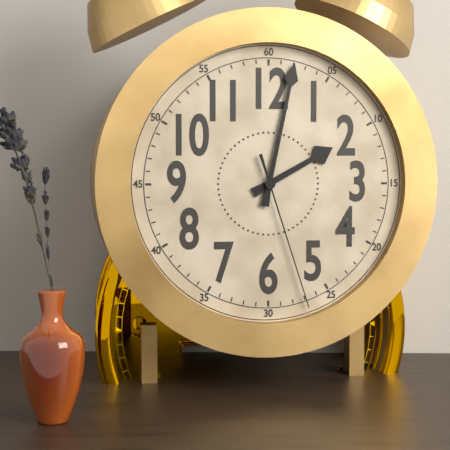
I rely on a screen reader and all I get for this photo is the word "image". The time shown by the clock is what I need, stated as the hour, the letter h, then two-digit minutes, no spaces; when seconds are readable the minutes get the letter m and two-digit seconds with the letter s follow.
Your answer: 2h02m27s
